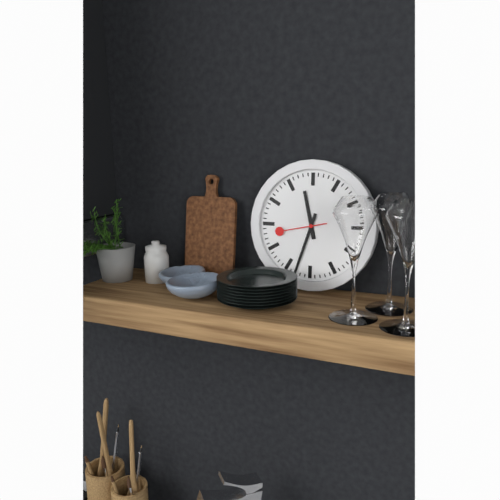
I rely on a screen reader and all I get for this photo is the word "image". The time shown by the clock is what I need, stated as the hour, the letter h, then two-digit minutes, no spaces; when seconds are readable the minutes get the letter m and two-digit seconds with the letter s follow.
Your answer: 11h33
